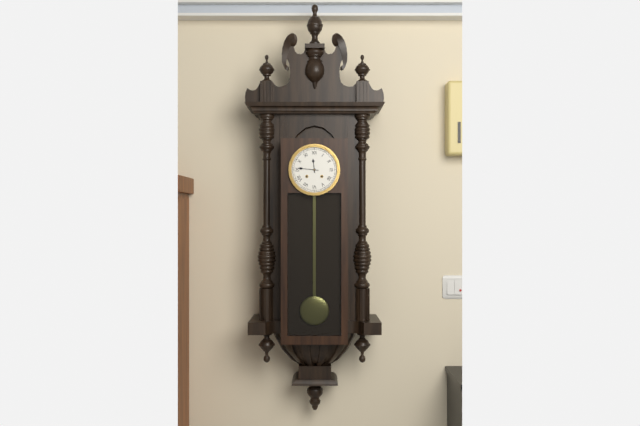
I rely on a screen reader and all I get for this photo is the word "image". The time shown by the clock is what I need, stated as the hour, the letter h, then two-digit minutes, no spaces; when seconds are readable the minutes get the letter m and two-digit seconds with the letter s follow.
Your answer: 11h46
